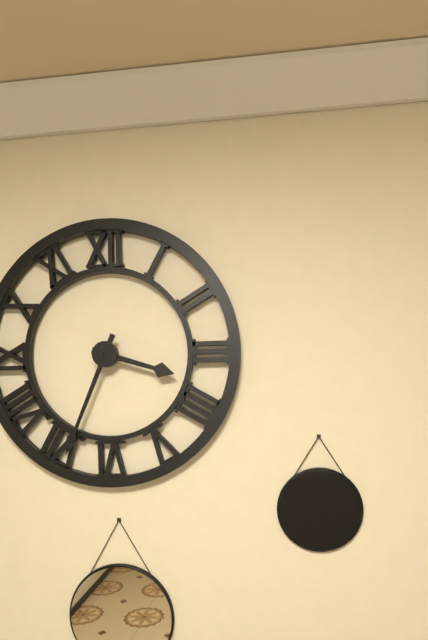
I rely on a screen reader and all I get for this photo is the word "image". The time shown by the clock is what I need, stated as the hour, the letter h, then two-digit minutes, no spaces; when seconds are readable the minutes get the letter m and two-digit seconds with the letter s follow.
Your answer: 3h34
